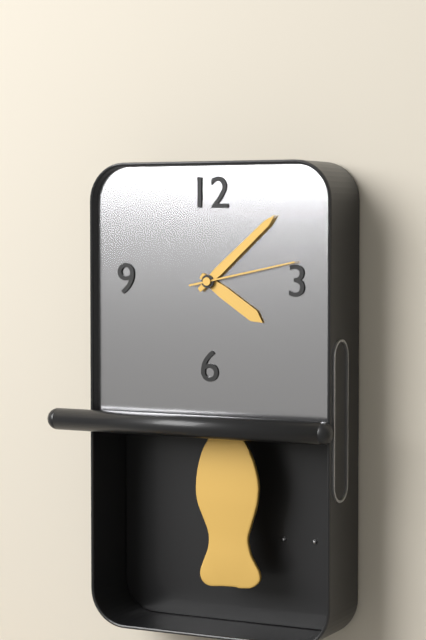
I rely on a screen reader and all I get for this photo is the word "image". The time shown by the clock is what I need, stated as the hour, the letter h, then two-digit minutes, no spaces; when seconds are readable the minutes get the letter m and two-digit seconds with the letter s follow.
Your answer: 4h08m13s
